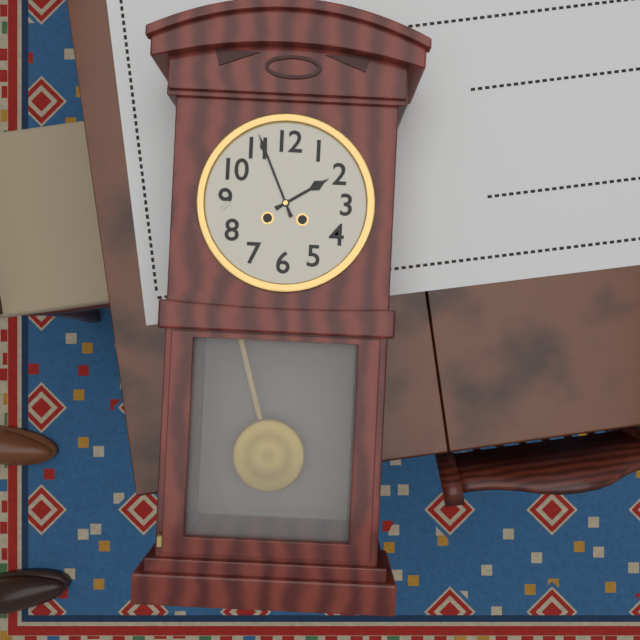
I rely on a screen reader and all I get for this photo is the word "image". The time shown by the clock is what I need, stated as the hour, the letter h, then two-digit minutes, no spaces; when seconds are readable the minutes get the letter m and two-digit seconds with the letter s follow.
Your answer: 1h56
